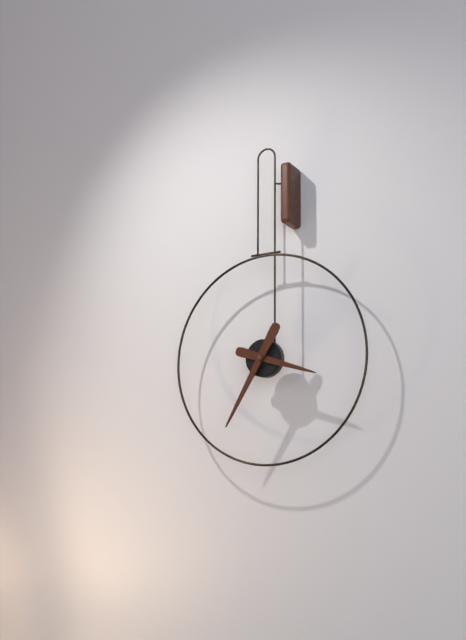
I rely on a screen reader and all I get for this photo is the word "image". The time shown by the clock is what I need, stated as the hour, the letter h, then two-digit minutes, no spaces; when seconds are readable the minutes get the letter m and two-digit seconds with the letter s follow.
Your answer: 3h35
